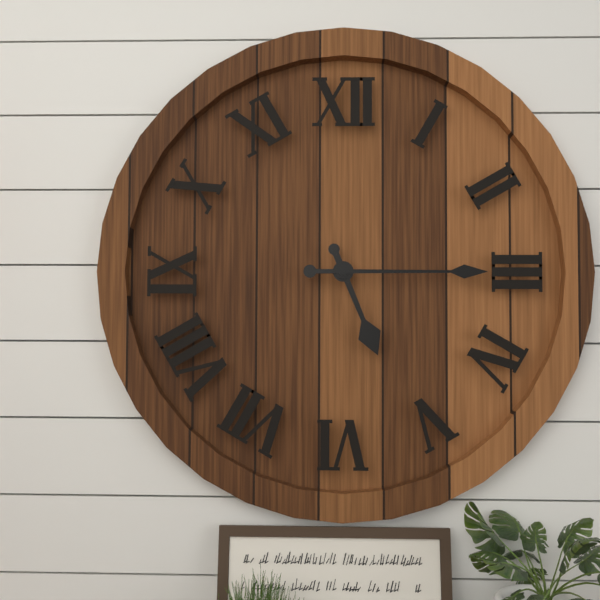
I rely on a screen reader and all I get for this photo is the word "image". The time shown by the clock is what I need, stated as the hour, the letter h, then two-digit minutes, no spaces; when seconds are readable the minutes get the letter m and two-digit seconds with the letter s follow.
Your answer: 5h15
